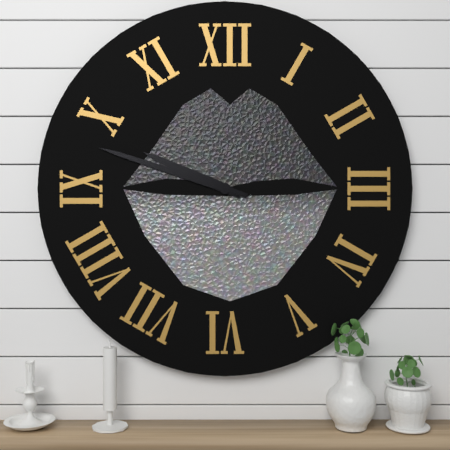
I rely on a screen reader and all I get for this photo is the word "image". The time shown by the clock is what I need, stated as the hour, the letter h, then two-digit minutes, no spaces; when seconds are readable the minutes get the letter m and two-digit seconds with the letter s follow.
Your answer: 9h48
